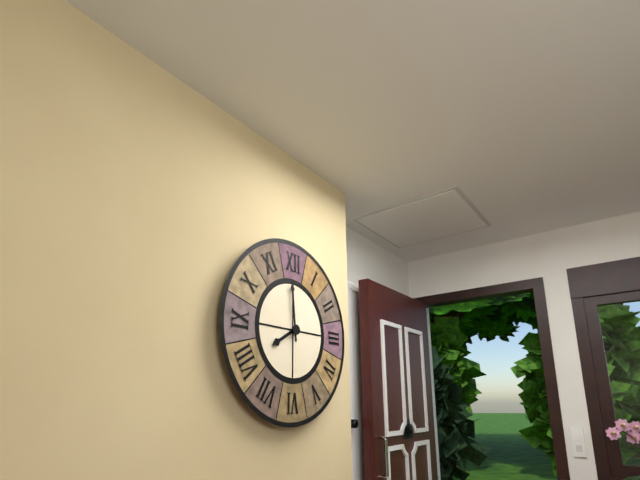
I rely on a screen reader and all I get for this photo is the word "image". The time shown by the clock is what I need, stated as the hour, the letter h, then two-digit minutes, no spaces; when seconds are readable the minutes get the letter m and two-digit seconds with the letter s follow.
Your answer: 7h59
